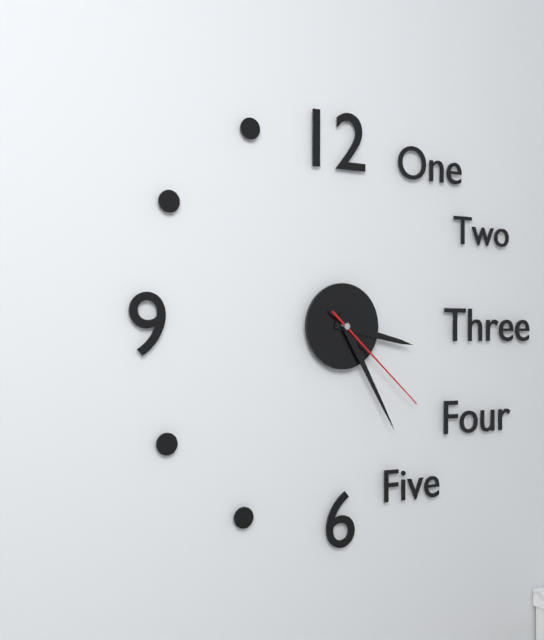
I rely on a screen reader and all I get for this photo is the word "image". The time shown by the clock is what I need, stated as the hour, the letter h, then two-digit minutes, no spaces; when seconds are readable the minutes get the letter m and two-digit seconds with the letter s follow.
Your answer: 3h25m22s
